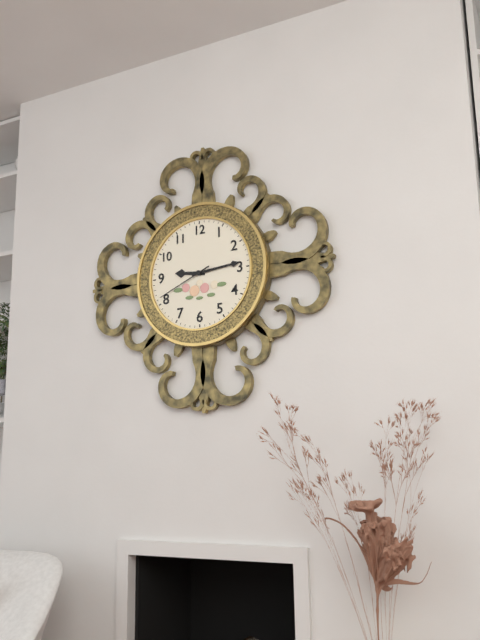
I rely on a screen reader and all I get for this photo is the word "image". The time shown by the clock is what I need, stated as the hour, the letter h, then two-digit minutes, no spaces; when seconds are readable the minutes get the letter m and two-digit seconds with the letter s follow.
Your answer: 9h14m41s
